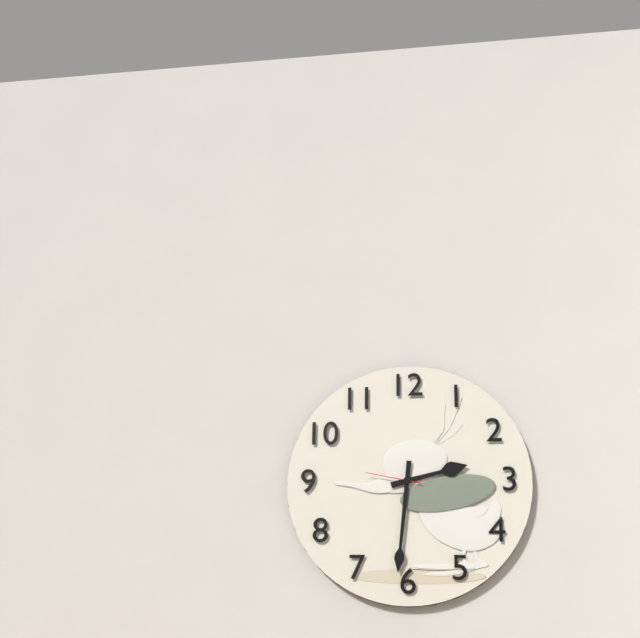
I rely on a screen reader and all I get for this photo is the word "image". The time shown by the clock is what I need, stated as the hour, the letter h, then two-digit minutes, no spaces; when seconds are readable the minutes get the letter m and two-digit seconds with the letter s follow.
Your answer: 2h31m47s
